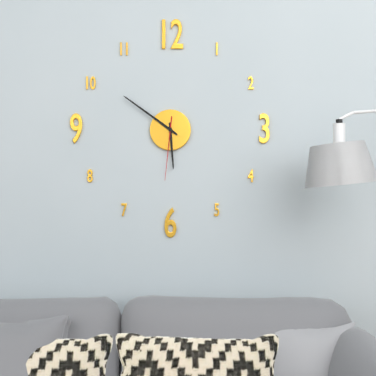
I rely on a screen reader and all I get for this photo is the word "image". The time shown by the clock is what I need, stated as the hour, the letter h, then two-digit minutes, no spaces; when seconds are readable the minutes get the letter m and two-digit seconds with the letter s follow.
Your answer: 5h51m31s
